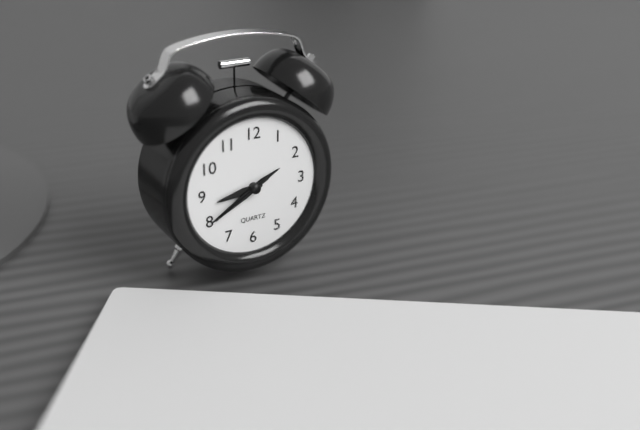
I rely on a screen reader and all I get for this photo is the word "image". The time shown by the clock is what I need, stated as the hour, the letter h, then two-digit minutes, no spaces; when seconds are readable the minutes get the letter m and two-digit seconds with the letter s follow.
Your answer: 8h40m40s
